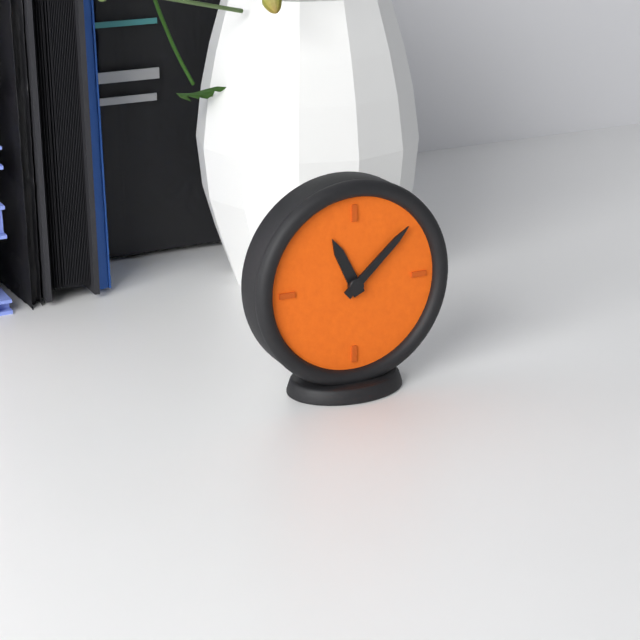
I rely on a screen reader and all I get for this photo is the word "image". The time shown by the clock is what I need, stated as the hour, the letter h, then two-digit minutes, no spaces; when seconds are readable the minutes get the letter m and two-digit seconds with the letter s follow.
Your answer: 11h08
